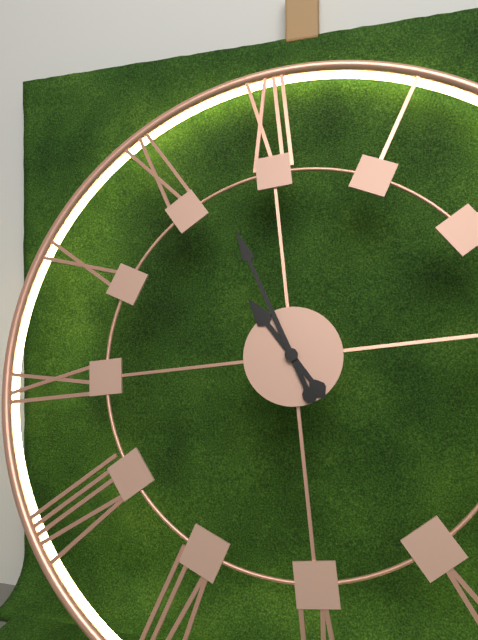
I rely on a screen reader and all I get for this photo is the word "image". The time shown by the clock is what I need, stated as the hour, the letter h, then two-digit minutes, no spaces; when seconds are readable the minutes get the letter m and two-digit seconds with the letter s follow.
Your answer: 10h57
